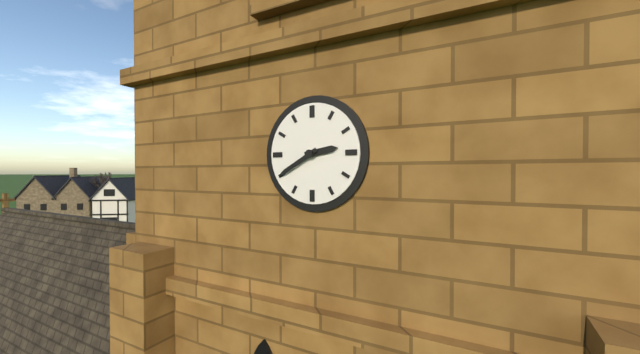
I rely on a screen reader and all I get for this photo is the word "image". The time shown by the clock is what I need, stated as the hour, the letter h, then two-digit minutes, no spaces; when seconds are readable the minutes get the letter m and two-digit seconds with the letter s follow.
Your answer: 2h40
